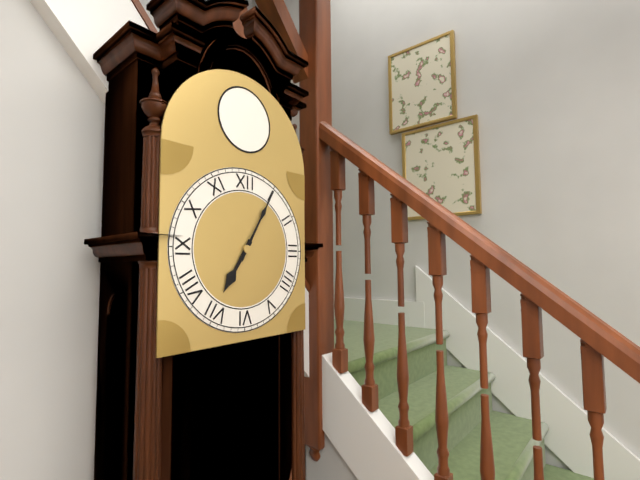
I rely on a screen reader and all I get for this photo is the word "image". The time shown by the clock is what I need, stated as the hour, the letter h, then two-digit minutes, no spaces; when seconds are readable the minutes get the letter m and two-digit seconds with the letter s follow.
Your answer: 7h05
